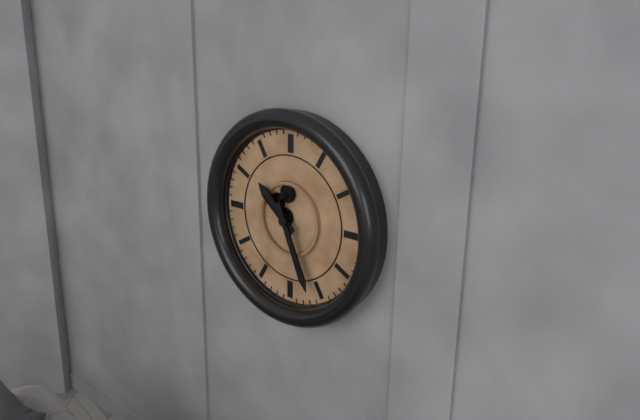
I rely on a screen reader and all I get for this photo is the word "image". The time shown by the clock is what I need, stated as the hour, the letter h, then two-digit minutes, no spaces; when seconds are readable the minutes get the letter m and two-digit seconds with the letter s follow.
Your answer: 10h26
